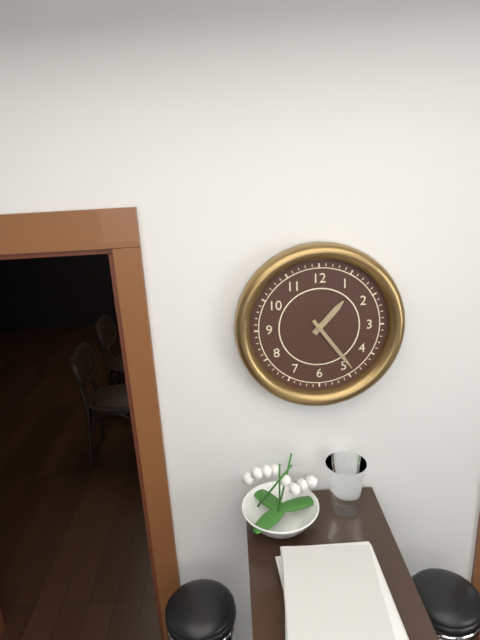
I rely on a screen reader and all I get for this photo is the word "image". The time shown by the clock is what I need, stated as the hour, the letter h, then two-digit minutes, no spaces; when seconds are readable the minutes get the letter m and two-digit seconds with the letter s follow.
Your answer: 1h24
